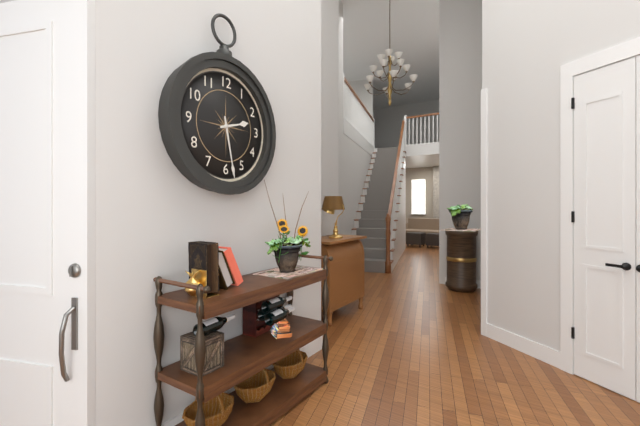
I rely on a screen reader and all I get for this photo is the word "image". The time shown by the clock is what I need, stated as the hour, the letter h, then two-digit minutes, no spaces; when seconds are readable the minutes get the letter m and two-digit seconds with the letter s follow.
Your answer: 2h28
